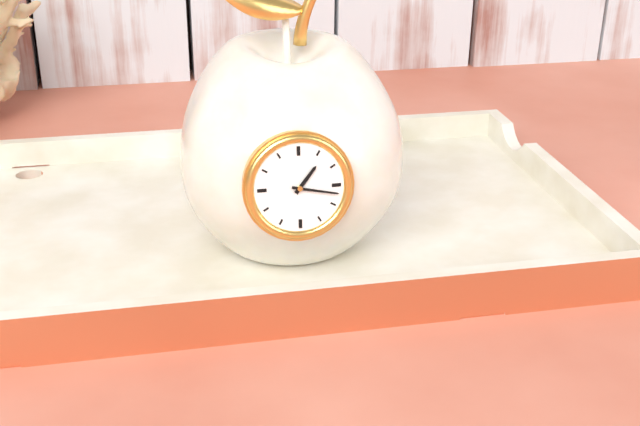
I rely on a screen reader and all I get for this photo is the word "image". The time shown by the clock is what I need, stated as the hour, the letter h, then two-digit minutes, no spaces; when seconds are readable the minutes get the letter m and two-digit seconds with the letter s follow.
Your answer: 1h17
